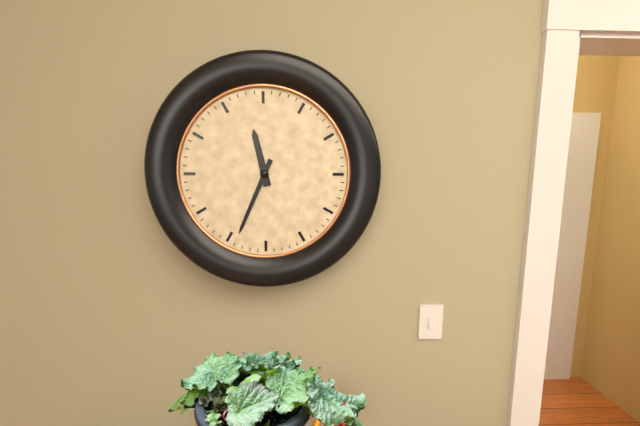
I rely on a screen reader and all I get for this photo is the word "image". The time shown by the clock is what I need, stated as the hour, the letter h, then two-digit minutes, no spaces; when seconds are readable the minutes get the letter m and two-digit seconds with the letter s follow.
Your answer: 11h34
